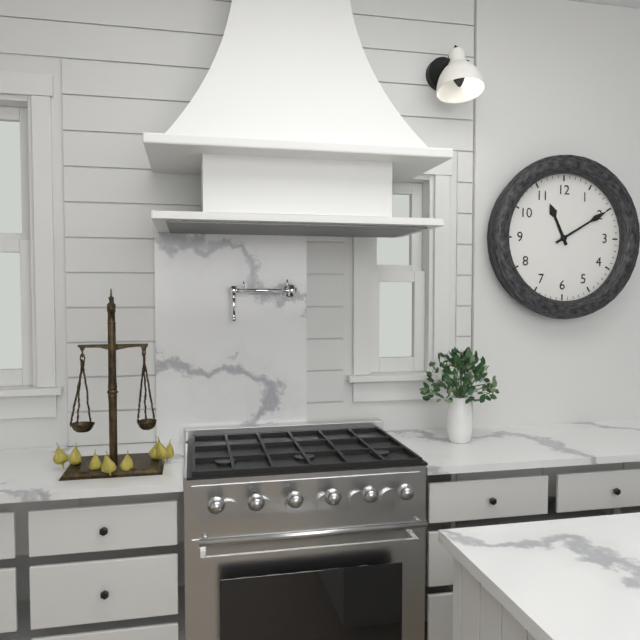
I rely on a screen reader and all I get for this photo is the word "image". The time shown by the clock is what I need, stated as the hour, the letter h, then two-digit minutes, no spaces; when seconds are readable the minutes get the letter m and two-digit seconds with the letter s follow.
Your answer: 11h10
